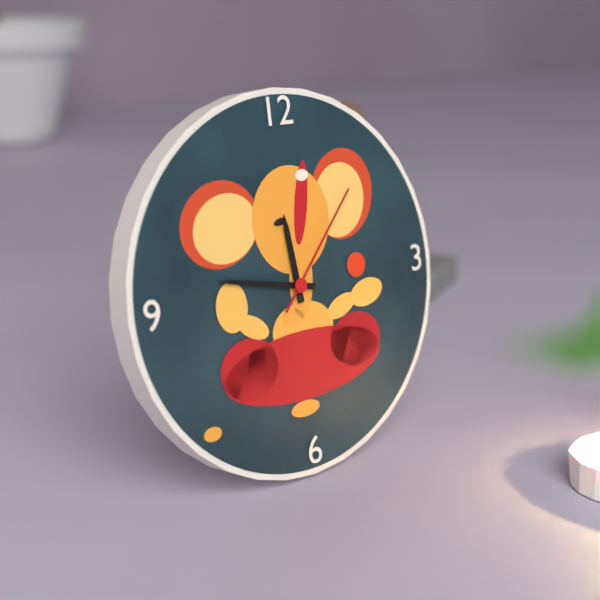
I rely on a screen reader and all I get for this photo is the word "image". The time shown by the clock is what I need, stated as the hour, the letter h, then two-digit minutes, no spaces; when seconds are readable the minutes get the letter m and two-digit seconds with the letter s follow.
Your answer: 11h47m07s
